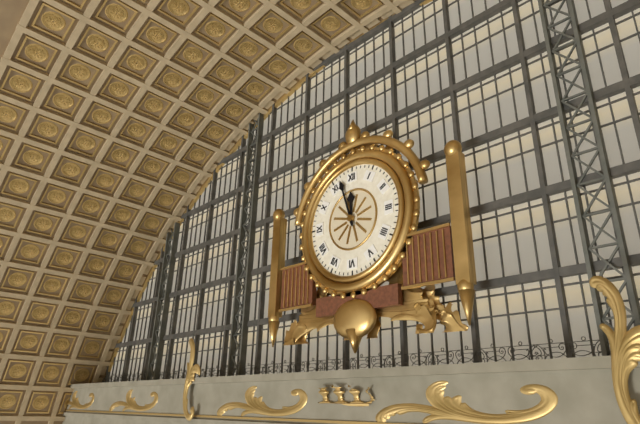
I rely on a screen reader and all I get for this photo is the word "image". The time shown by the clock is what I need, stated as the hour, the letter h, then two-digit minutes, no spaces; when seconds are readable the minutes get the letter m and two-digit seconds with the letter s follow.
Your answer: 11h57
